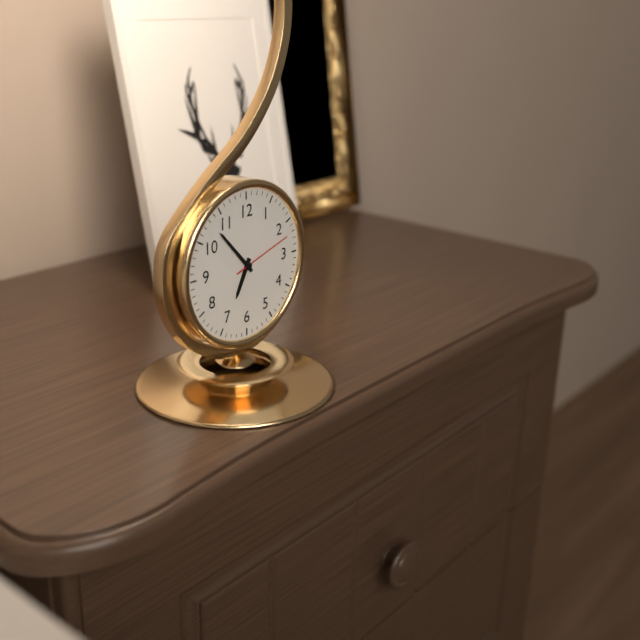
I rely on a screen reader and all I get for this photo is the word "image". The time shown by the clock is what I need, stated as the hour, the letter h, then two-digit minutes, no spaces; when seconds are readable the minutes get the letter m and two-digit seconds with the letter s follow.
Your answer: 6h53m12s
